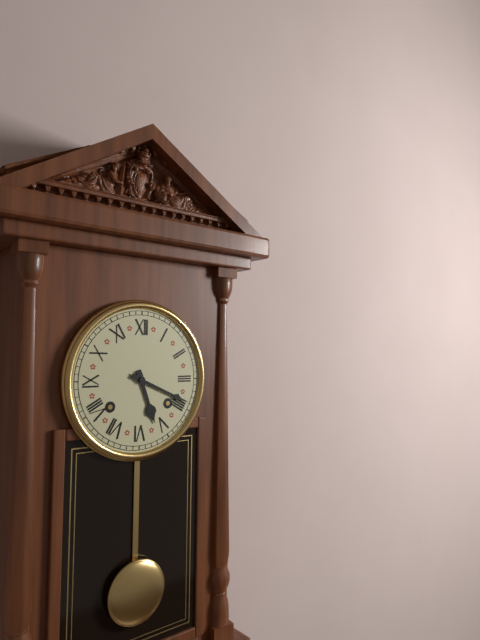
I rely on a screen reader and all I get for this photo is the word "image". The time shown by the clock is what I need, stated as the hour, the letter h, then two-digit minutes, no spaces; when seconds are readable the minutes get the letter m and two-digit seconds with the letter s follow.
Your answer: 5h19
